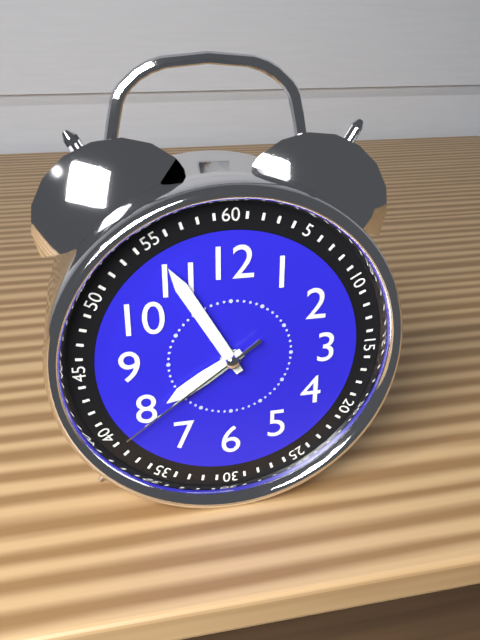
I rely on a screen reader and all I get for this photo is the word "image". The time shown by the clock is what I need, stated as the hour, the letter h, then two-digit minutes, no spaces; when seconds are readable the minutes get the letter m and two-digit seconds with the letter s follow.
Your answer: 7h55m39s
